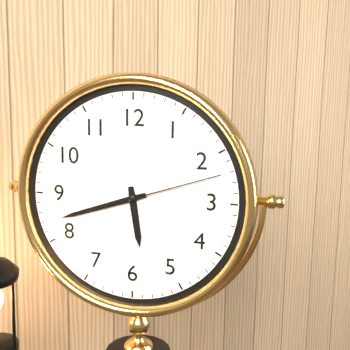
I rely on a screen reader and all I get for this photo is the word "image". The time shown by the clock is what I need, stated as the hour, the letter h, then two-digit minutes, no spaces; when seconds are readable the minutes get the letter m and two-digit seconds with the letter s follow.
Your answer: 5h42m12s
